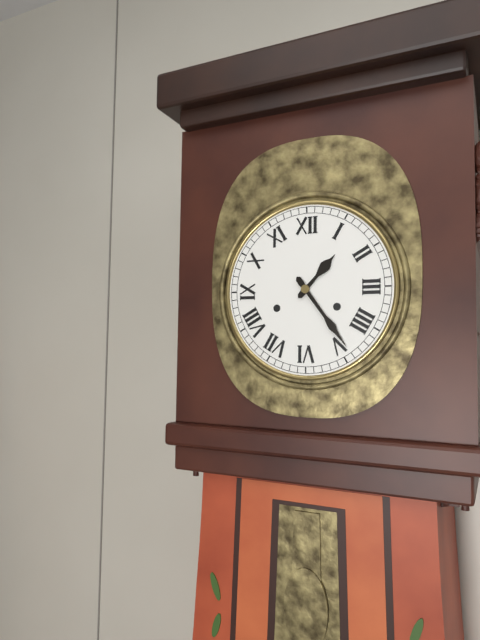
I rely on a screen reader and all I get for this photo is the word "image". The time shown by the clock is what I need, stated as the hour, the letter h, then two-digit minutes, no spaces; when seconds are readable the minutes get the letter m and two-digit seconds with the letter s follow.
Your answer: 1h24
